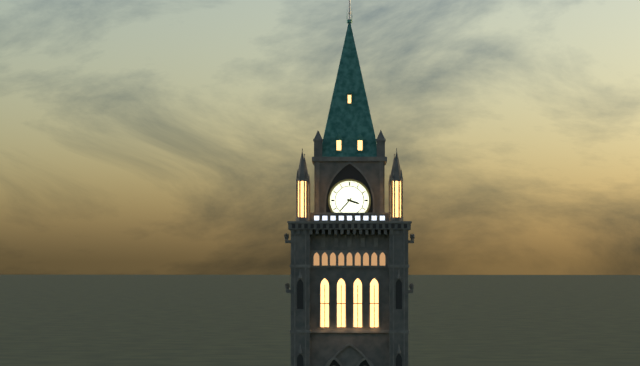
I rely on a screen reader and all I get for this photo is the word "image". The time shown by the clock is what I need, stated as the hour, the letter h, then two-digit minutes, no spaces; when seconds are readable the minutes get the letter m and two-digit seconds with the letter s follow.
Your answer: 3h37
